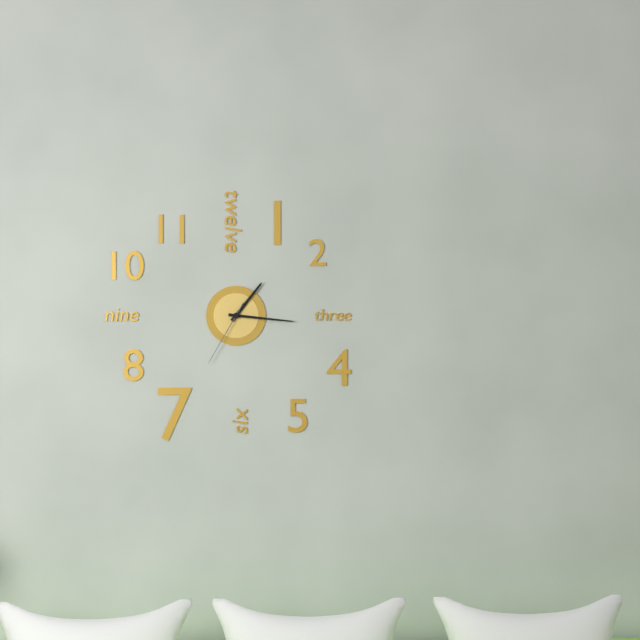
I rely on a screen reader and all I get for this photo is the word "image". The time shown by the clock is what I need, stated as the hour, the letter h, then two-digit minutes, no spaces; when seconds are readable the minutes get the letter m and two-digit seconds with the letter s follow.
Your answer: 1h16m35s
